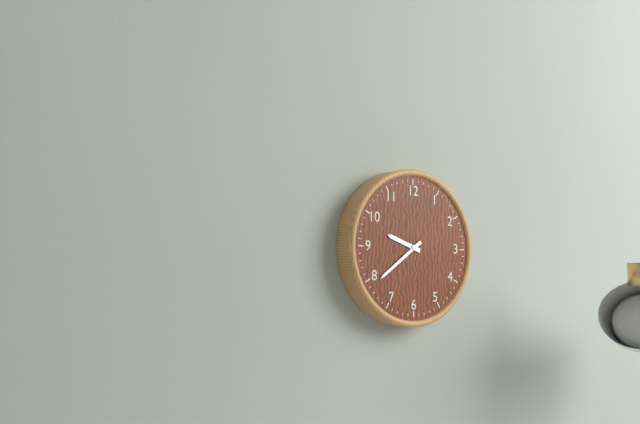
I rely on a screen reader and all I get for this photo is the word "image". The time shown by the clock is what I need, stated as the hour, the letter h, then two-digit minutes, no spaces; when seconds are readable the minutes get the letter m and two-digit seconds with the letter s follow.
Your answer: 9h39
